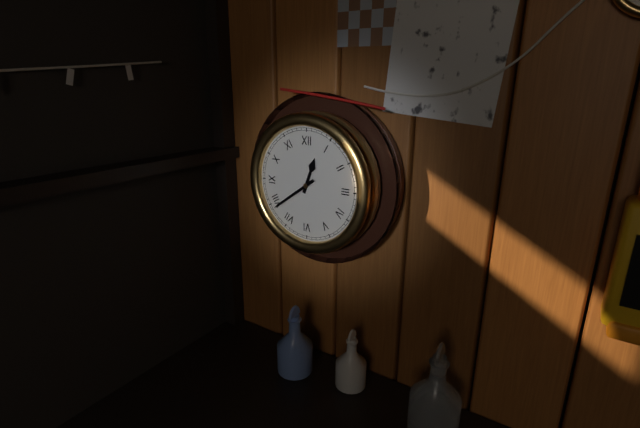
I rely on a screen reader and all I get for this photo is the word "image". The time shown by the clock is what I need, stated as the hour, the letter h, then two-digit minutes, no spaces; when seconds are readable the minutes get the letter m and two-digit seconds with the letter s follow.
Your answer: 12h39
